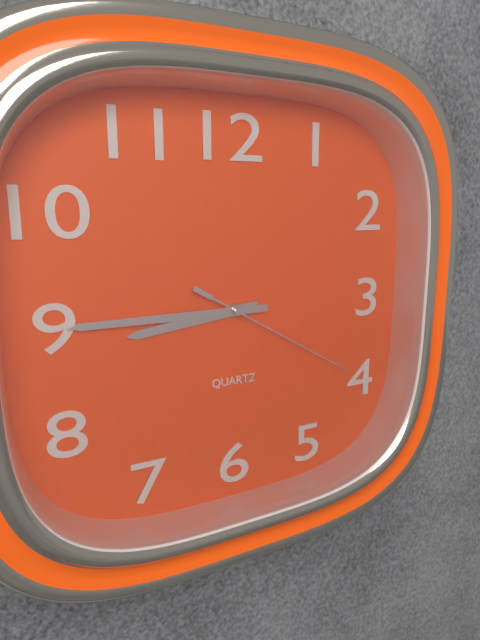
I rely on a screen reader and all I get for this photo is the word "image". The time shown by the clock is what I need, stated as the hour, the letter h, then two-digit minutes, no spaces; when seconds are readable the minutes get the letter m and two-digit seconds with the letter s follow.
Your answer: 8h45m20s
